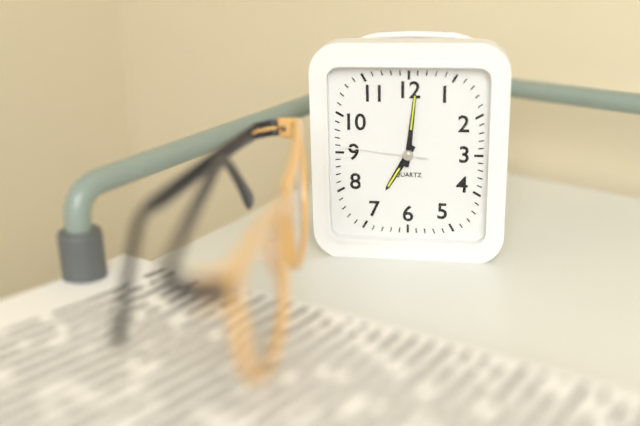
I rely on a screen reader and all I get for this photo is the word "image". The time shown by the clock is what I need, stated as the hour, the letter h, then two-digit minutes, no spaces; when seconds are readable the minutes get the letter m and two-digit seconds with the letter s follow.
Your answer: 7h01m46s
